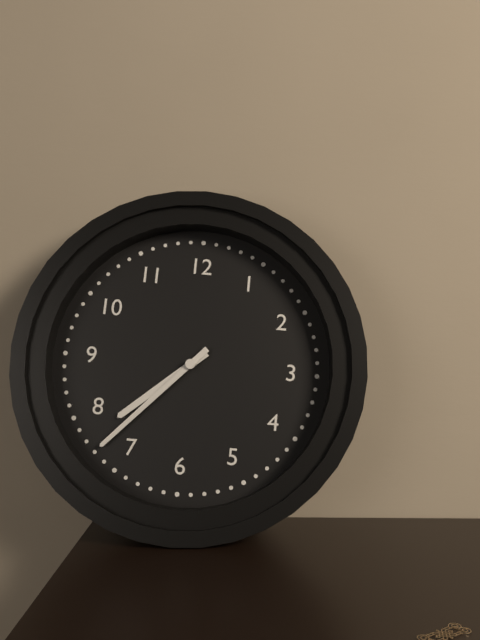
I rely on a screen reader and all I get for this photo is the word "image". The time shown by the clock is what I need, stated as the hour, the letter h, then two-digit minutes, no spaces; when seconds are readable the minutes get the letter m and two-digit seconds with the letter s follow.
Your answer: 7h37
